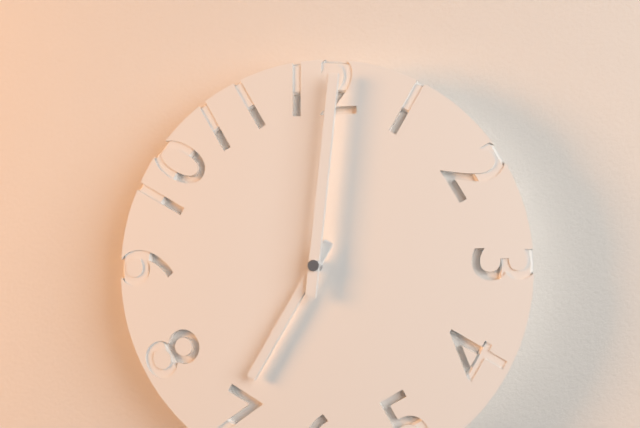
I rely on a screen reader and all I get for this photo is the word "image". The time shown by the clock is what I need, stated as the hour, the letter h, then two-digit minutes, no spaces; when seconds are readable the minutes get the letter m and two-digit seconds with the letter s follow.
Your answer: 7h01
